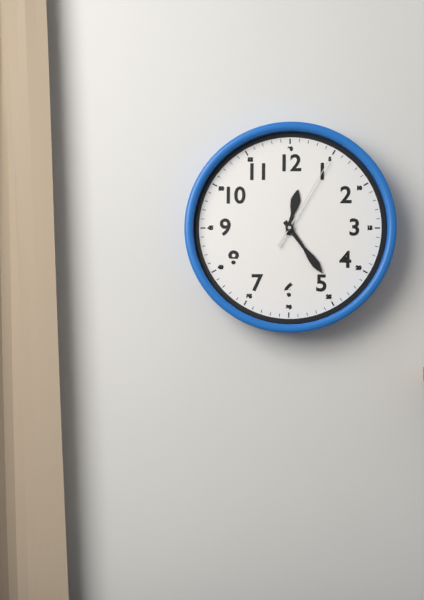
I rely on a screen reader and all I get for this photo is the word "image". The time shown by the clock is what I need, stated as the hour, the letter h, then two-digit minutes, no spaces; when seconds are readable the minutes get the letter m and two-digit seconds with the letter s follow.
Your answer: 12h24m05s
